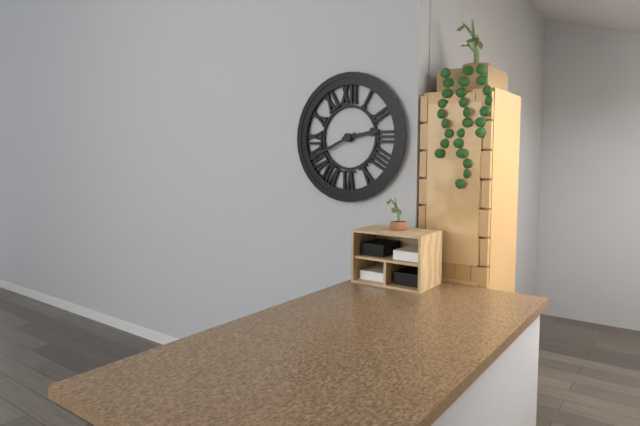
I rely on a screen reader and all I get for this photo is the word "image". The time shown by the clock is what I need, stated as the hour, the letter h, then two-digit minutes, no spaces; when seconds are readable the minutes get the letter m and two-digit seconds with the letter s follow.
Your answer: 2h41
